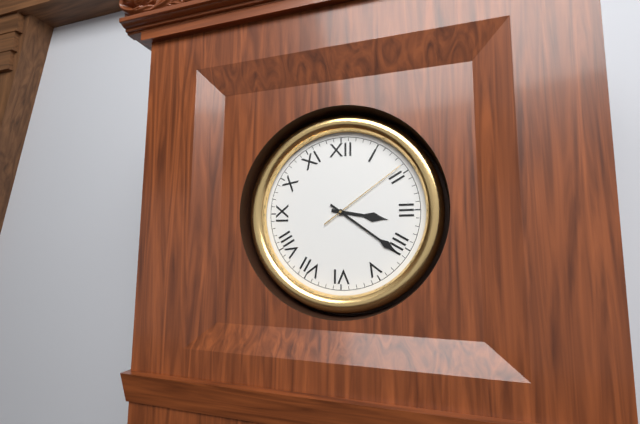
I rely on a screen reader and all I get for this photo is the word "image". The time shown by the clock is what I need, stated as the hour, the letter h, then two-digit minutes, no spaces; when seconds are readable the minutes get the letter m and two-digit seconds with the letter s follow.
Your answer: 3h21m09s
